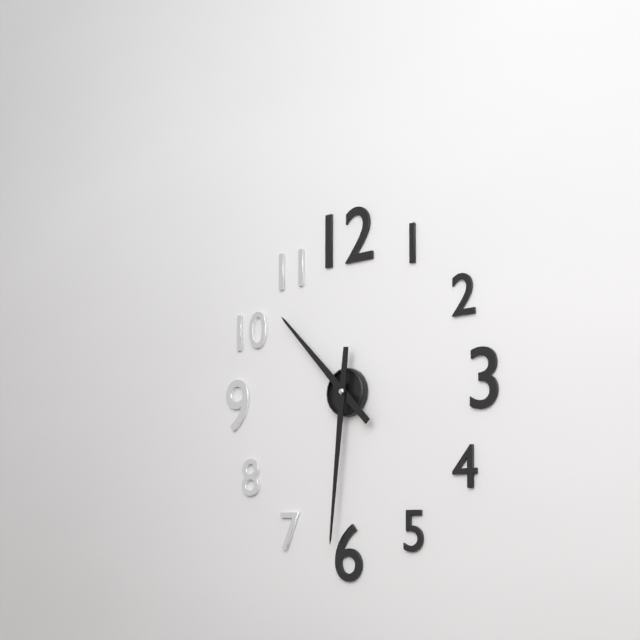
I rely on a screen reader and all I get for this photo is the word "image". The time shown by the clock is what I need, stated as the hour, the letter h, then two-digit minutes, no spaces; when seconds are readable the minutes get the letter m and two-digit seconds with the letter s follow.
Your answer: 10h31
